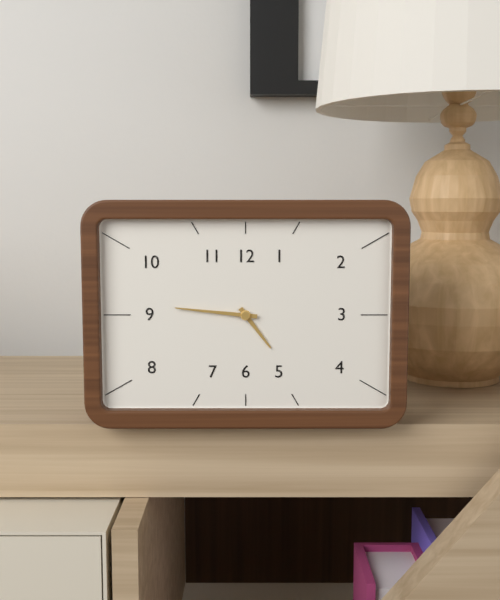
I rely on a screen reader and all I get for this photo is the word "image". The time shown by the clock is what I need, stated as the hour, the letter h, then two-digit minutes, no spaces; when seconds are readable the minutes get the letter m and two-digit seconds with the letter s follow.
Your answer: 4h46
